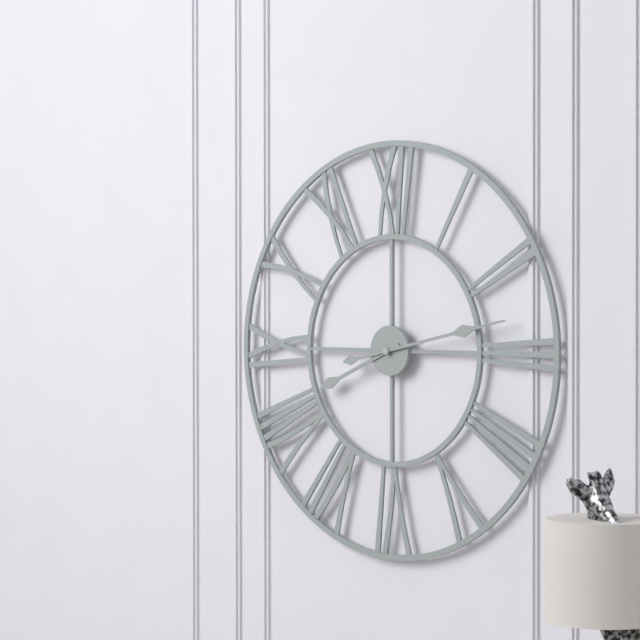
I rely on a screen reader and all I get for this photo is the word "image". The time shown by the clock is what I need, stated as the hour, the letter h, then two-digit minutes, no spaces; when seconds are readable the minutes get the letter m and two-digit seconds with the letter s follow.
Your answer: 8h13
